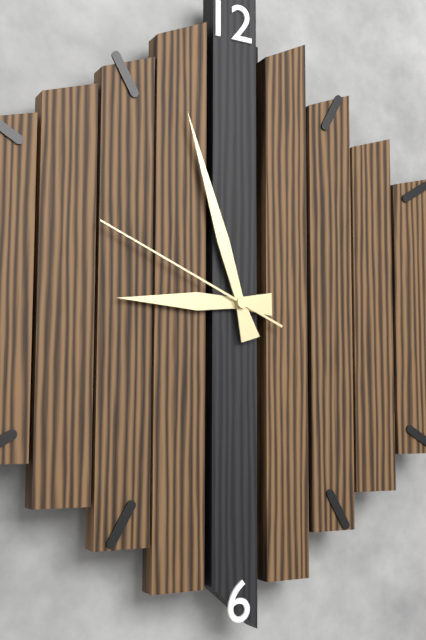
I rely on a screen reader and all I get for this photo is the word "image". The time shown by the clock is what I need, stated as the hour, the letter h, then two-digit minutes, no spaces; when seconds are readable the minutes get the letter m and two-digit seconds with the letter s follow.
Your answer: 8h57m49s
